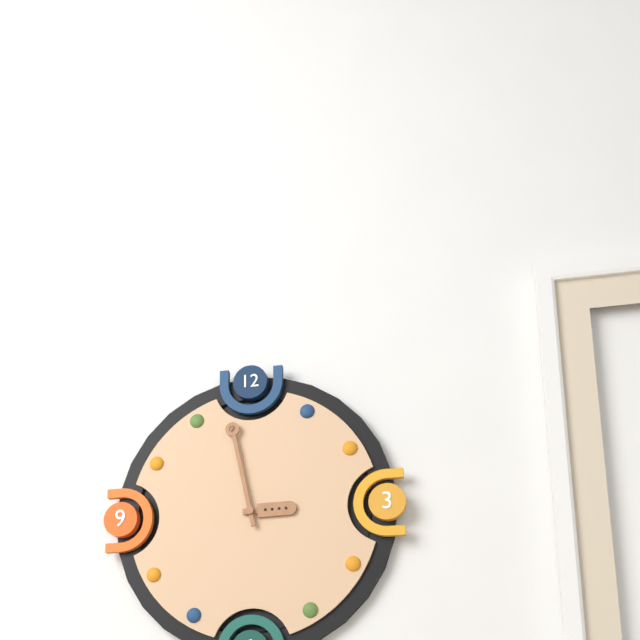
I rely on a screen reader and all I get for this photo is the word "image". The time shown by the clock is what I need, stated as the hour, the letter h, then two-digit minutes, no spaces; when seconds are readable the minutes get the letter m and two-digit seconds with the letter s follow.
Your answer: 2h58
